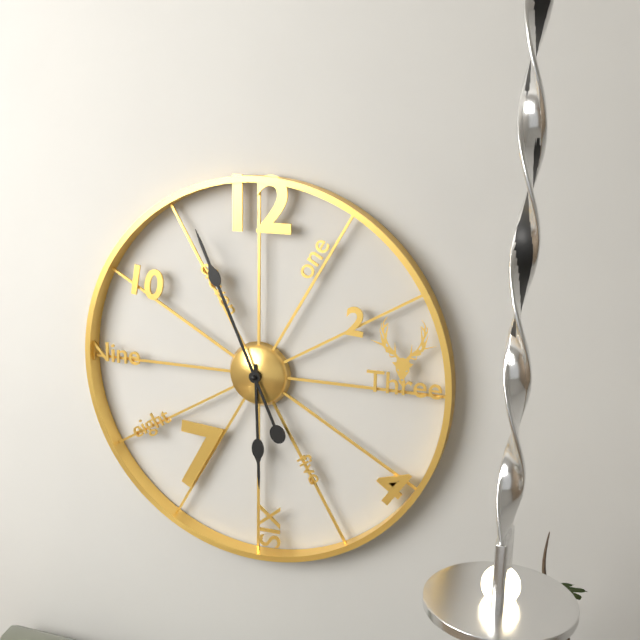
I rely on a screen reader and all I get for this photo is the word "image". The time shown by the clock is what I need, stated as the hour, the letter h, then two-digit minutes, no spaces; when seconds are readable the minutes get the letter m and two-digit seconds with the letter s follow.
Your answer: 5h56
